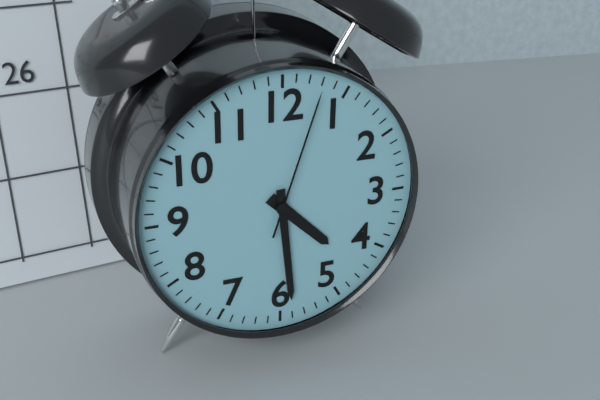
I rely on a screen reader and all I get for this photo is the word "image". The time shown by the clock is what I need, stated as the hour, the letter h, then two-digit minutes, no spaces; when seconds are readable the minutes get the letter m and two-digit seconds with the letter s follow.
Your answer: 4h29m03s
